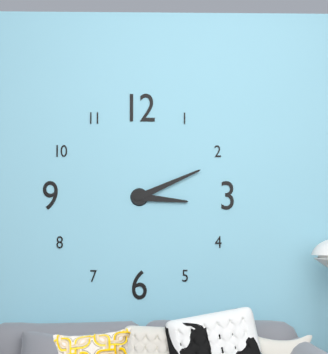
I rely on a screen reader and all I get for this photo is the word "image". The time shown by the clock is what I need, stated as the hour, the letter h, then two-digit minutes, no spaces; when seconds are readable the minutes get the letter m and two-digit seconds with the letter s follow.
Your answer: 3h11
